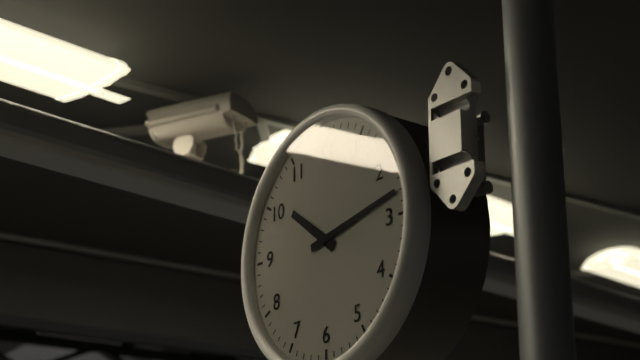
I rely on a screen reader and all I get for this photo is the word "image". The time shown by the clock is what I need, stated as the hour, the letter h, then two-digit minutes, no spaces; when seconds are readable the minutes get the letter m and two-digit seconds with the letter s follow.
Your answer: 10h13
